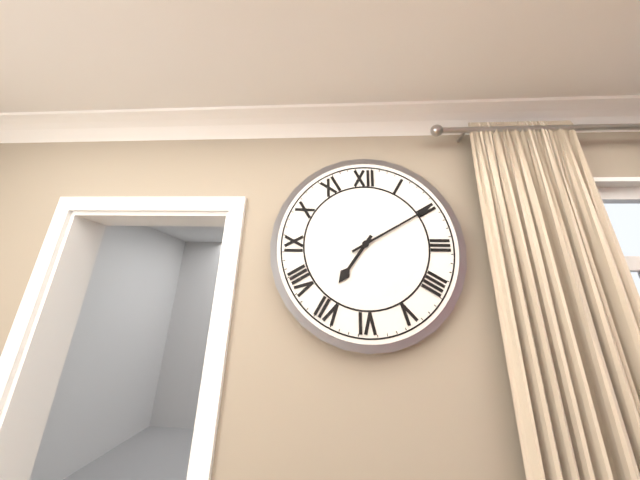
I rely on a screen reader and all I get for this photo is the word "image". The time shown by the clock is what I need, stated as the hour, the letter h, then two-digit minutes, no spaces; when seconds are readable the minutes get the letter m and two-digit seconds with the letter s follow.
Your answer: 7h10
